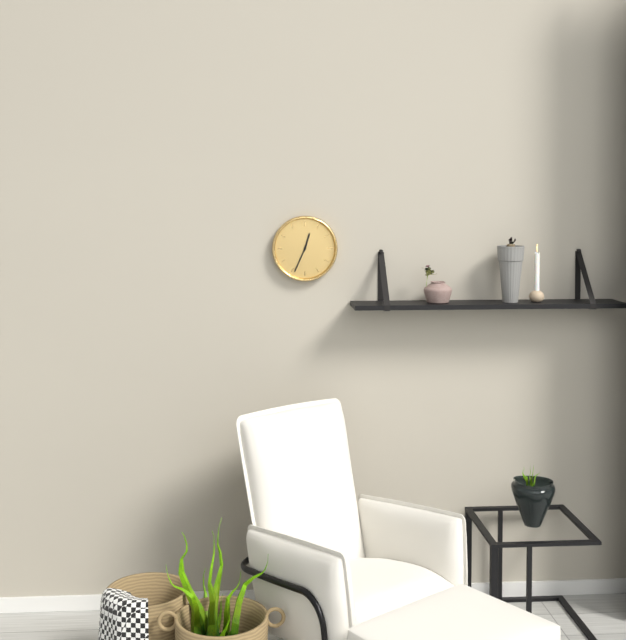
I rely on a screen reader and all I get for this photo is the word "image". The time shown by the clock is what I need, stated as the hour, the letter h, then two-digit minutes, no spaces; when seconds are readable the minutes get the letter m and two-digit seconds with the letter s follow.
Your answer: 12h34
